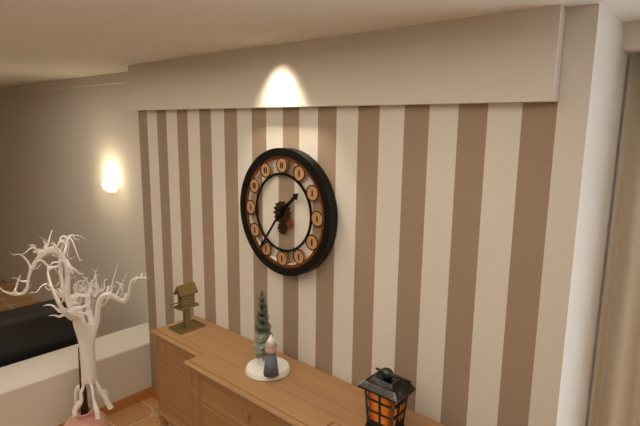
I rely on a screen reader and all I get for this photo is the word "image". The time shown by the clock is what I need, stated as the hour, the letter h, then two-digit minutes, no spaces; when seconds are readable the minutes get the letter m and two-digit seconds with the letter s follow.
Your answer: 1h36
